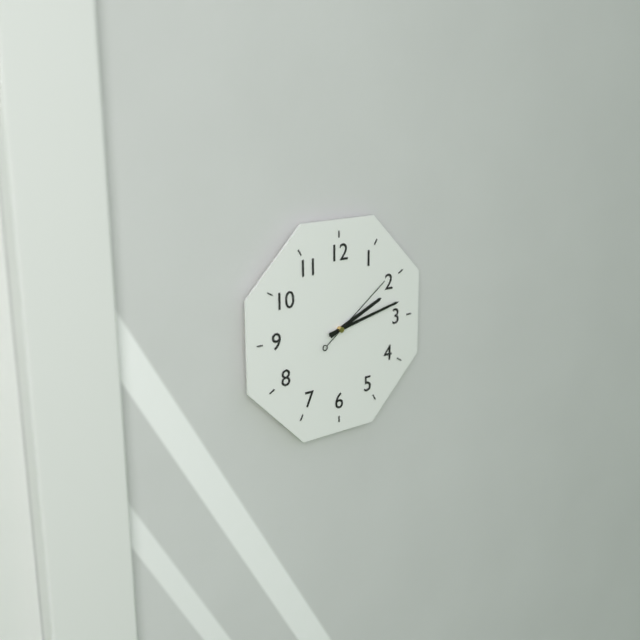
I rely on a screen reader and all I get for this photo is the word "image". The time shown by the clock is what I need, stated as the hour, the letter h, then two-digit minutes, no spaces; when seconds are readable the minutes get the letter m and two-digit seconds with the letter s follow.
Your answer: 2h13m09s
